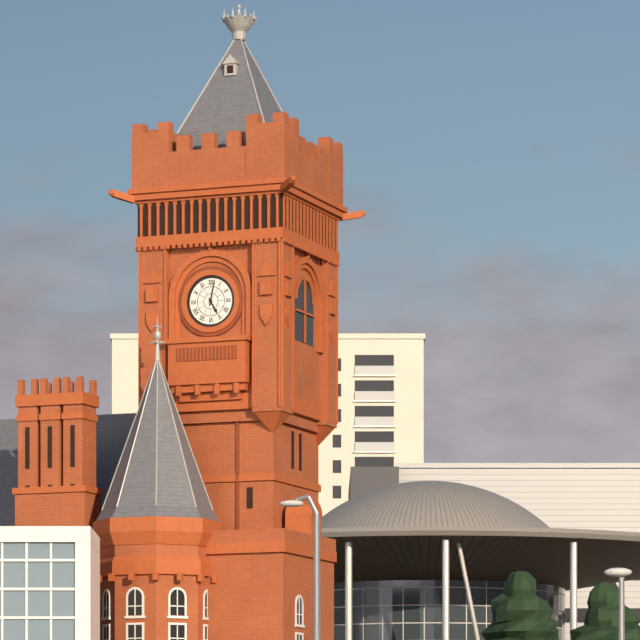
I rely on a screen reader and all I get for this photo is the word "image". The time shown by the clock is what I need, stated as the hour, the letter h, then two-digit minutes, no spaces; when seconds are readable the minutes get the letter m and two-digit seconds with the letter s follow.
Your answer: 5h02
